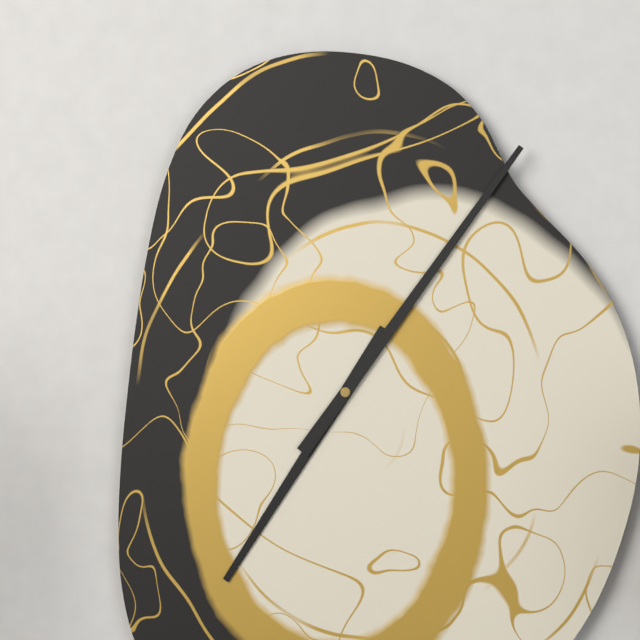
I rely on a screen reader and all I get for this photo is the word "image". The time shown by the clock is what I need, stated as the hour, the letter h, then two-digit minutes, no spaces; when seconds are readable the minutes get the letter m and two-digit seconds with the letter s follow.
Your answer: 7h06
